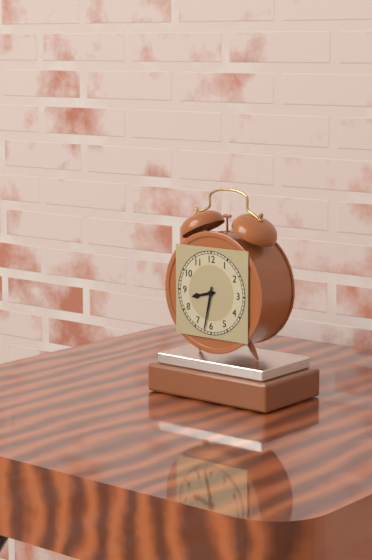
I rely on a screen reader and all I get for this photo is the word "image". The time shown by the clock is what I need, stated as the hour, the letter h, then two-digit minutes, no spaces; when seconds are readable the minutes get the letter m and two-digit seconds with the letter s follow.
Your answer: 8h32
